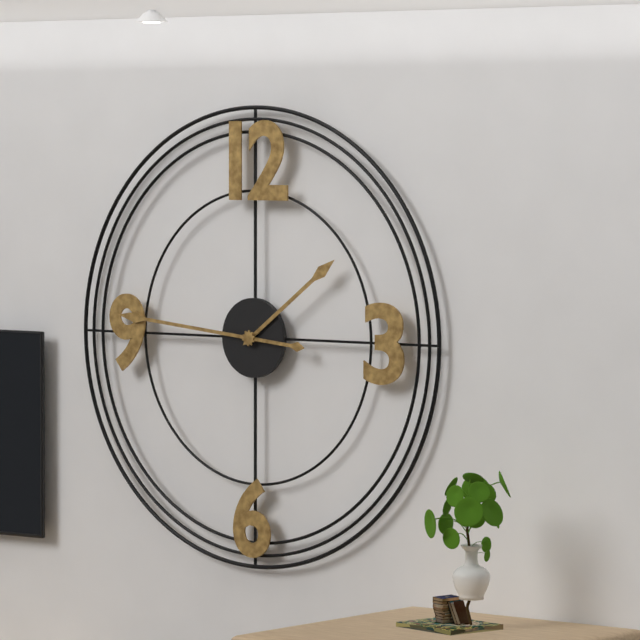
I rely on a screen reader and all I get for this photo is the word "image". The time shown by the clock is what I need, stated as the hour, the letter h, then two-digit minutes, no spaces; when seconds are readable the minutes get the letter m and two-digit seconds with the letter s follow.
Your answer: 1h46
